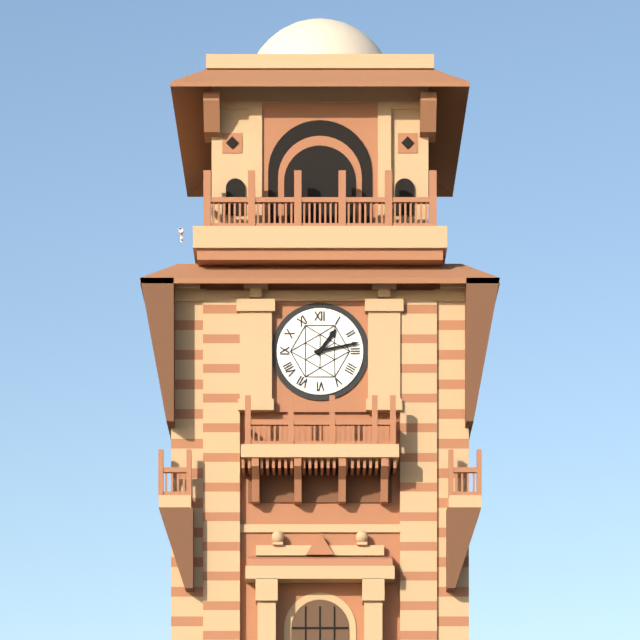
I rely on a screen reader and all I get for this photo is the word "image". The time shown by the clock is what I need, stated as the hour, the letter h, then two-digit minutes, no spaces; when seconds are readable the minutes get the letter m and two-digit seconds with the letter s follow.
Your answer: 1h13
